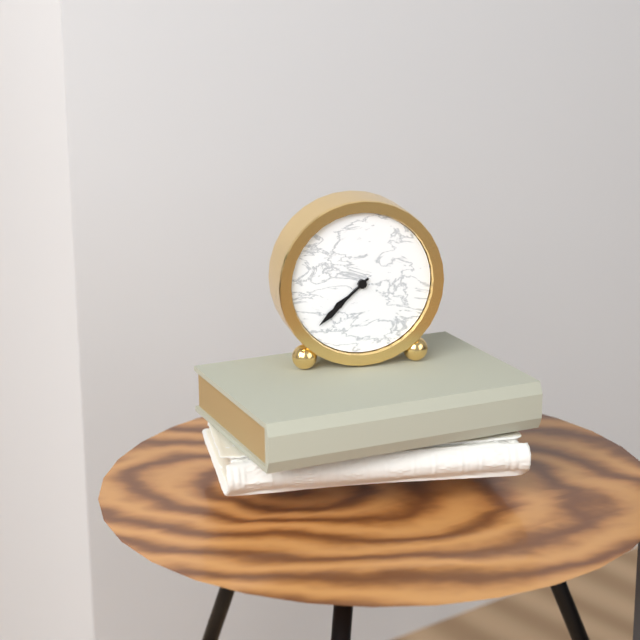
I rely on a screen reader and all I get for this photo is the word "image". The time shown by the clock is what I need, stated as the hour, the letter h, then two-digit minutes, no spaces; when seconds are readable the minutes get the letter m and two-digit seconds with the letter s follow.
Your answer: 7h38
